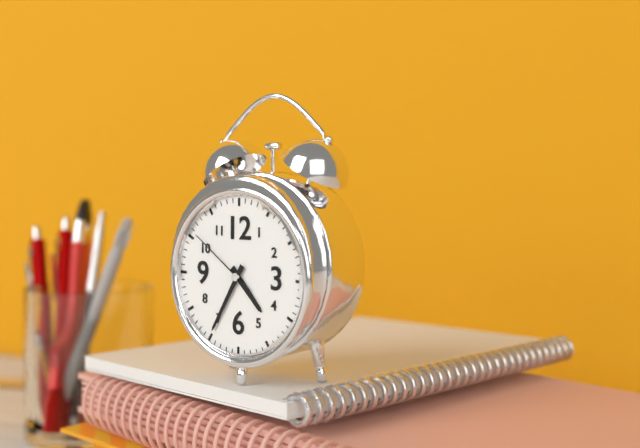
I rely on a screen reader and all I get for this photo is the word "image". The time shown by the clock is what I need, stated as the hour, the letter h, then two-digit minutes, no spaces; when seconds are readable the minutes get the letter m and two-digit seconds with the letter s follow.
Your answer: 4h35m51s
